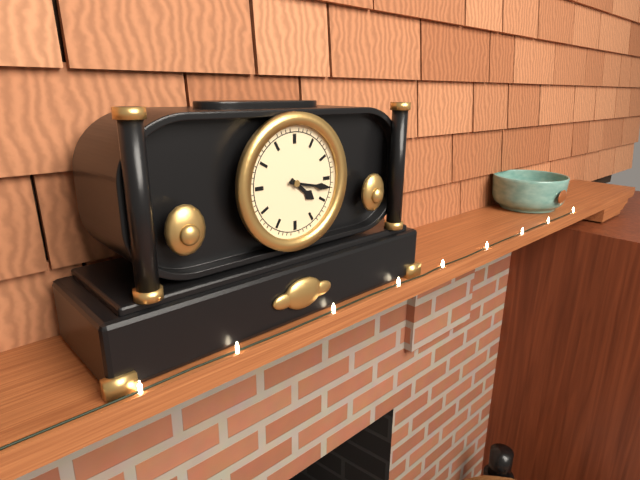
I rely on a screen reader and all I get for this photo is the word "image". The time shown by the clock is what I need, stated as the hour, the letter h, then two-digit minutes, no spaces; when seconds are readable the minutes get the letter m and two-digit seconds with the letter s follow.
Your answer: 4h17
